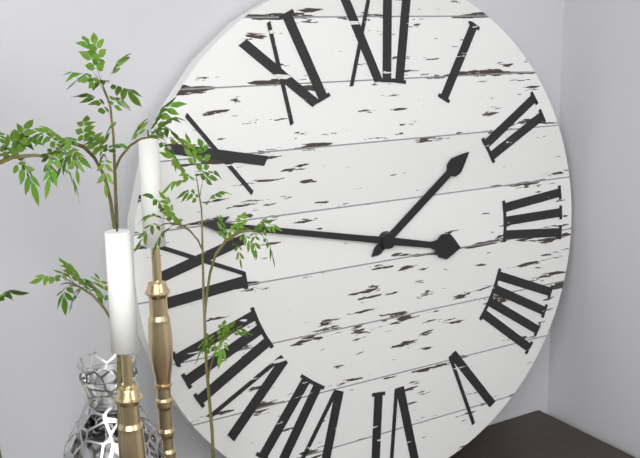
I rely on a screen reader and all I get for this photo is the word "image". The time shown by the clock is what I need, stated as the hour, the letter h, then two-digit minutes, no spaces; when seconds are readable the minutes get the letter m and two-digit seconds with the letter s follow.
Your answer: 1h47
